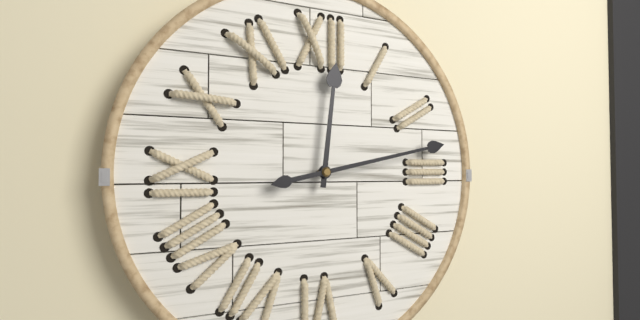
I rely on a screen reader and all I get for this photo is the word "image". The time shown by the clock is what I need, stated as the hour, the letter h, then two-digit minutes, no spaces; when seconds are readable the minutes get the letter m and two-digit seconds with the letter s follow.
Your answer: 12h13
